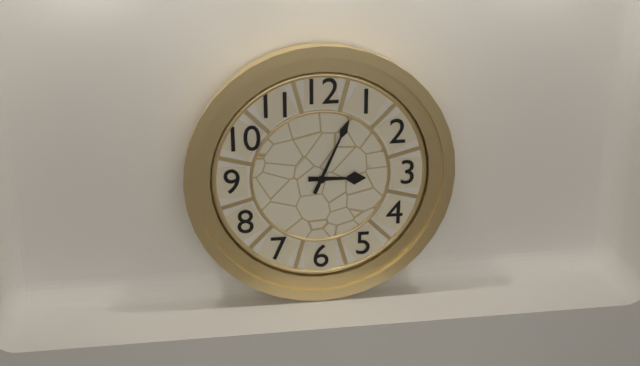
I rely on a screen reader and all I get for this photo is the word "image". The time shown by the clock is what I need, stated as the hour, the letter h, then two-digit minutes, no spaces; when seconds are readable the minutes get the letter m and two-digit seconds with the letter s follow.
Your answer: 3h04
